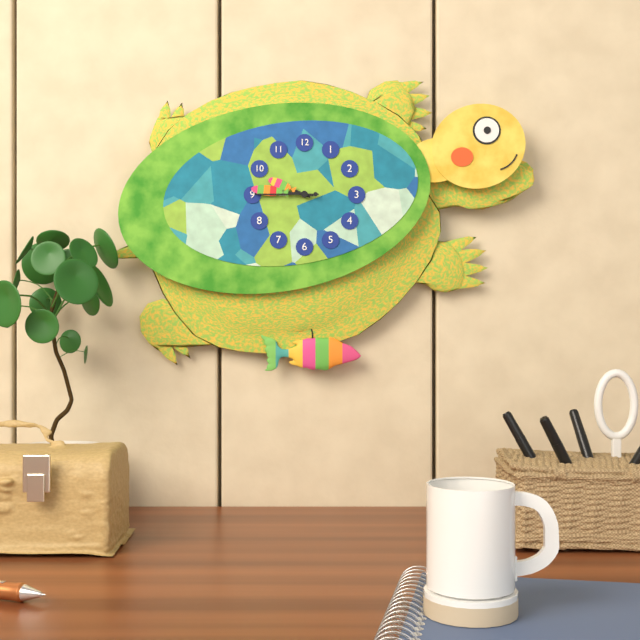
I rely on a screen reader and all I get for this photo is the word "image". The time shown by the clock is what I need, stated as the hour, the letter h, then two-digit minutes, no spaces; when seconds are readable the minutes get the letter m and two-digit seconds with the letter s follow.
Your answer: 9h46m45s
